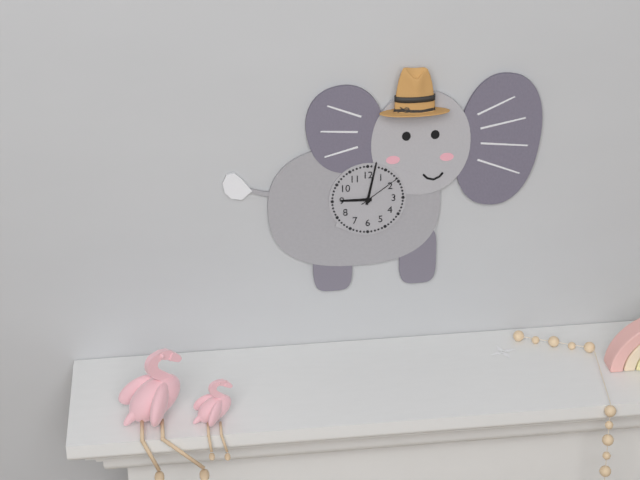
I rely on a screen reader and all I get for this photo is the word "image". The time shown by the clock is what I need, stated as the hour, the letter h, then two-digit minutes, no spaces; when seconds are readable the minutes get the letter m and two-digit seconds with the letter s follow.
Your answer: 9h02
